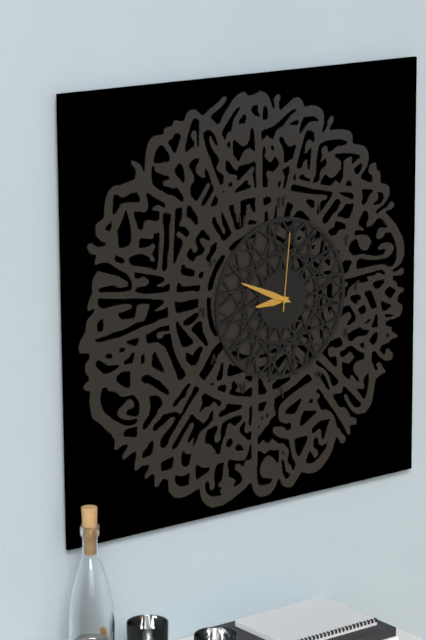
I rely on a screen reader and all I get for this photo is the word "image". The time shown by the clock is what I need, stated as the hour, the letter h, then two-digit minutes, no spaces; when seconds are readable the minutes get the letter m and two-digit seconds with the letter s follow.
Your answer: 8h49m01s
